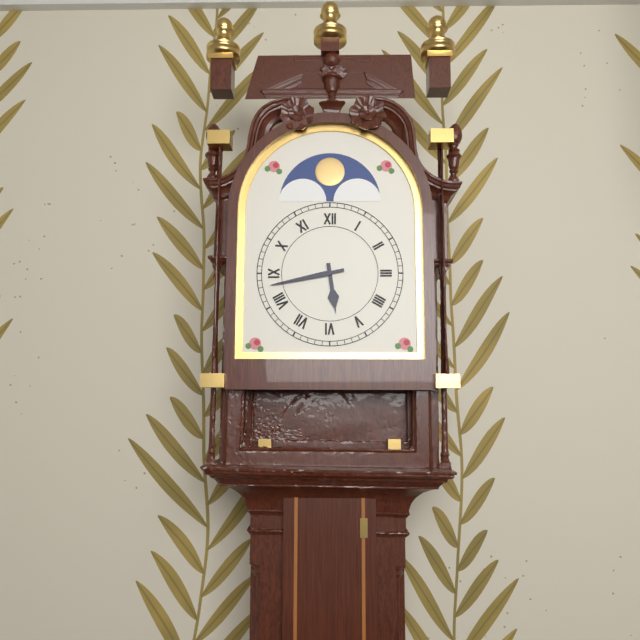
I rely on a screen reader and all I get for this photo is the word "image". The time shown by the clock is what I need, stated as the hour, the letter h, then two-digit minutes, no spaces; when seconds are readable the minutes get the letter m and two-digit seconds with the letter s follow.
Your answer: 5h43
